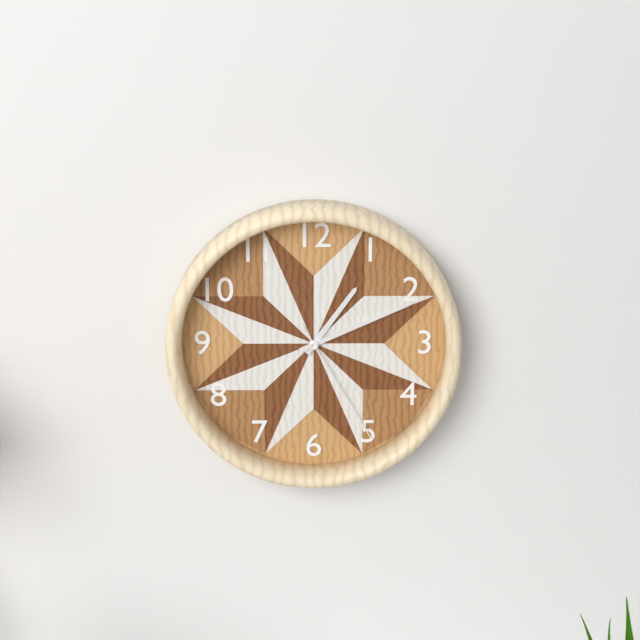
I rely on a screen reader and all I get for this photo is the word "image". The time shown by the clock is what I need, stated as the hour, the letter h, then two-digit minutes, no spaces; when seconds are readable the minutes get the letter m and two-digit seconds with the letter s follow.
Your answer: 1h11m25s
